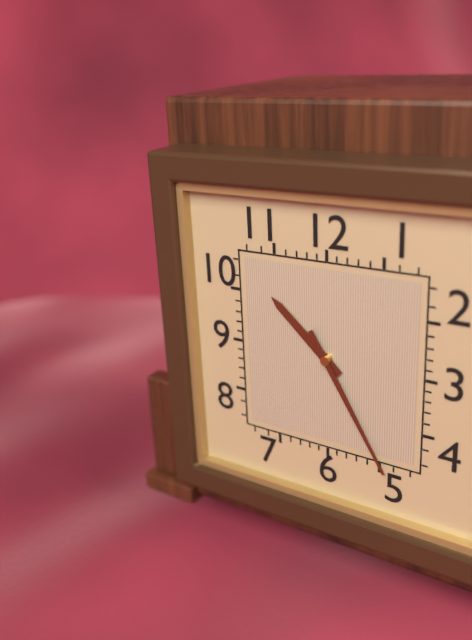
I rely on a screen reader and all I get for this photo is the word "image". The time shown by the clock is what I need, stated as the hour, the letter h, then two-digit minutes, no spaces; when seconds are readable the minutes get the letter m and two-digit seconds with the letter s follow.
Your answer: 10h25
